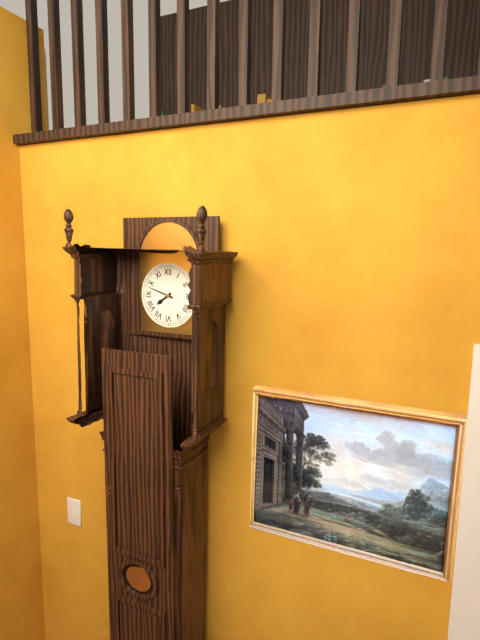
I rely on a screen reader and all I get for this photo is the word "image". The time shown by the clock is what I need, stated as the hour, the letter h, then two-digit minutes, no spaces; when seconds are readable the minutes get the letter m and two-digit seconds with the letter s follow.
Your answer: 7h48
